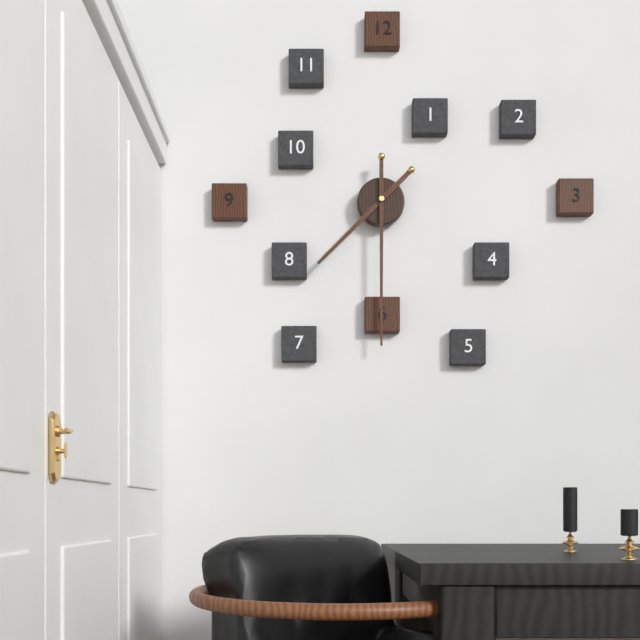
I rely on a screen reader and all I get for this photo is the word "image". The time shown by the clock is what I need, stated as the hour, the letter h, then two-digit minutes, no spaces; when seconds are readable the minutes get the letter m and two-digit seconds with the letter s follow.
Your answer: 7h30
